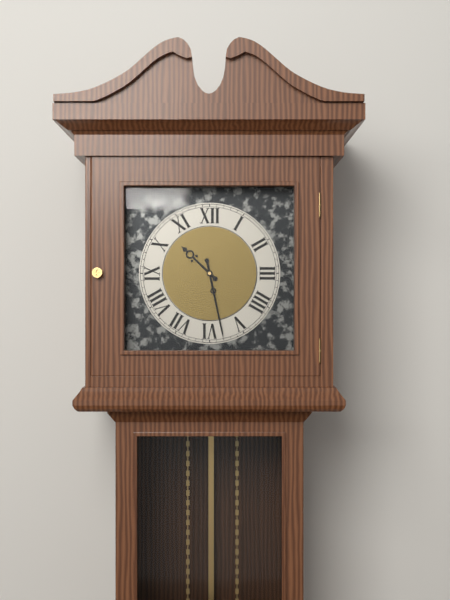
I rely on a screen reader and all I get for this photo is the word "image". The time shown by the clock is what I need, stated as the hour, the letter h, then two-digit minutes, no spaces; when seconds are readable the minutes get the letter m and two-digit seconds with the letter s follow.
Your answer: 10h28
